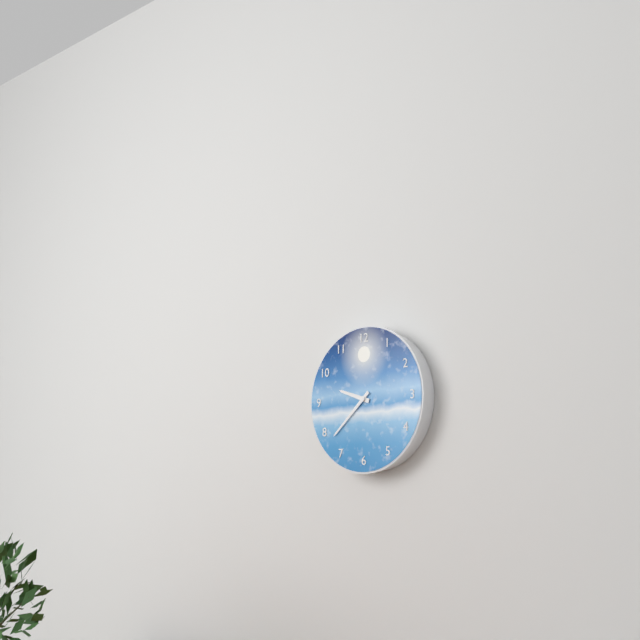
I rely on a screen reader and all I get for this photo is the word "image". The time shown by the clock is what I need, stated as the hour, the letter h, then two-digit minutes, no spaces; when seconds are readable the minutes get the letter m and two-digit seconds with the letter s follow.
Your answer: 9h38
